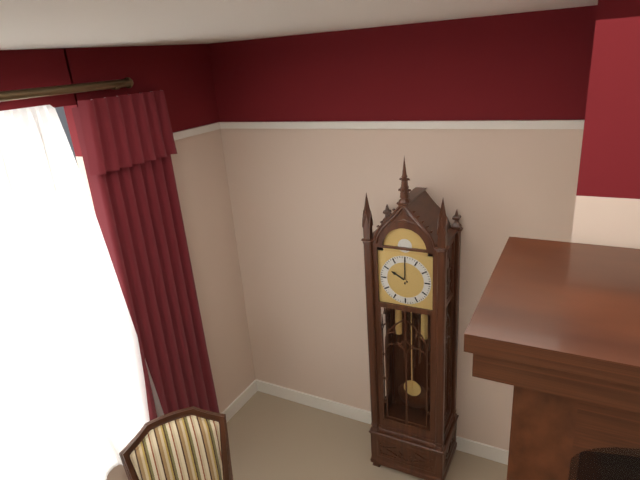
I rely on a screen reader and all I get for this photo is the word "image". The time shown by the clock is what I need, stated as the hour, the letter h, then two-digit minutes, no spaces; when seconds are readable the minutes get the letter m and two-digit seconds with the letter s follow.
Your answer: 10h00
